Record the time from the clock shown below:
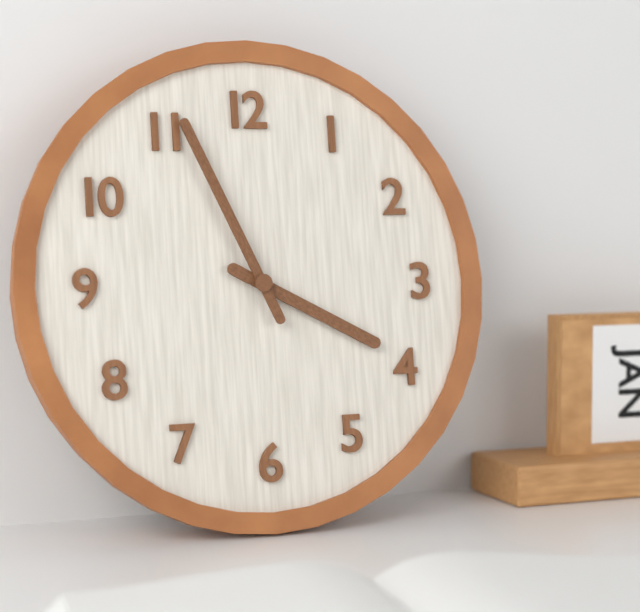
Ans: 3:56
